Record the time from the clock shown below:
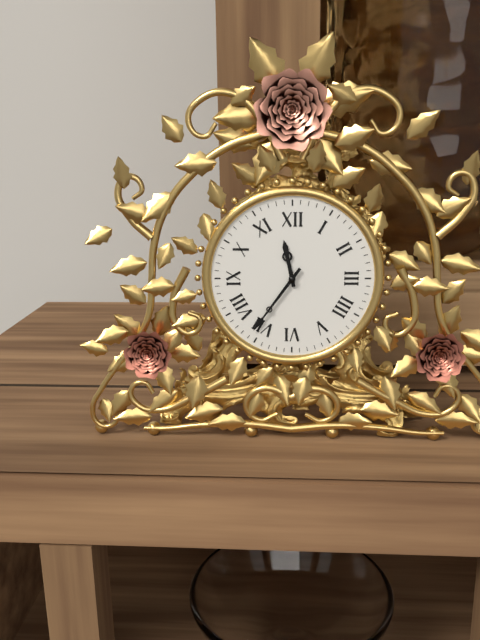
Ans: 11:36
